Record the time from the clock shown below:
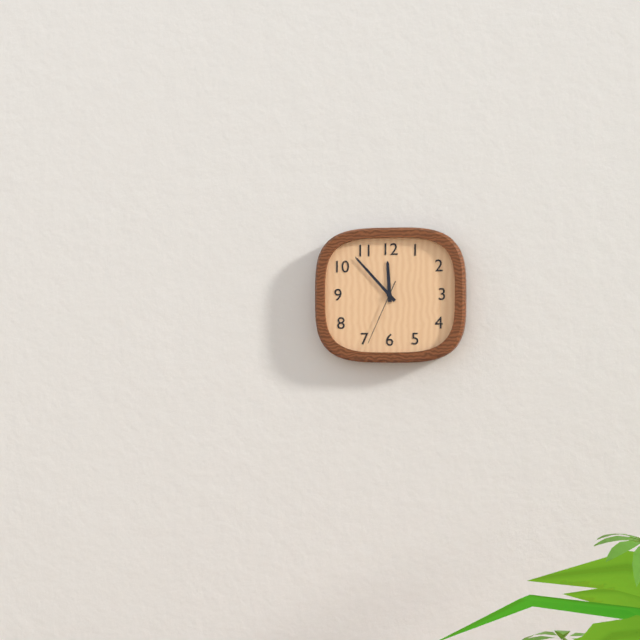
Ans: 11:53:34
